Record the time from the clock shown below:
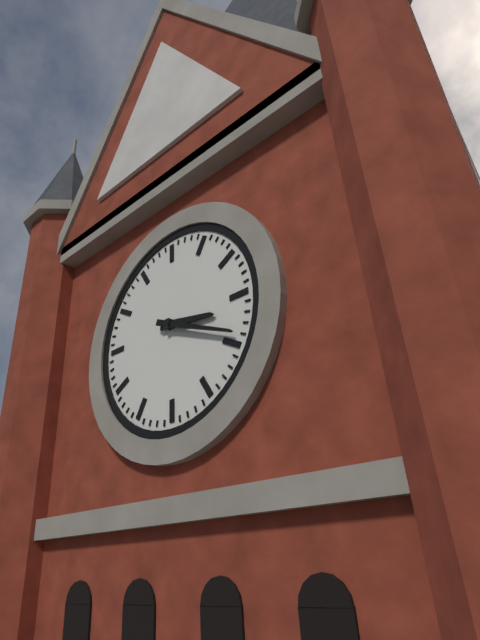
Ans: 3:19
